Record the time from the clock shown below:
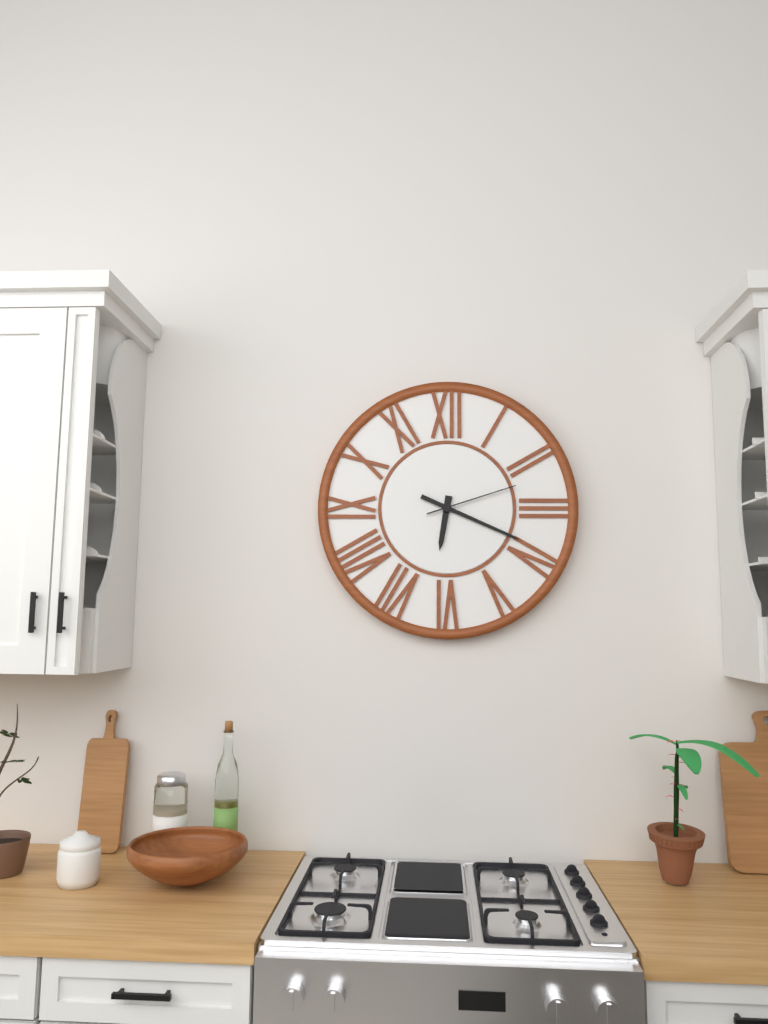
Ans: 6:19:12
